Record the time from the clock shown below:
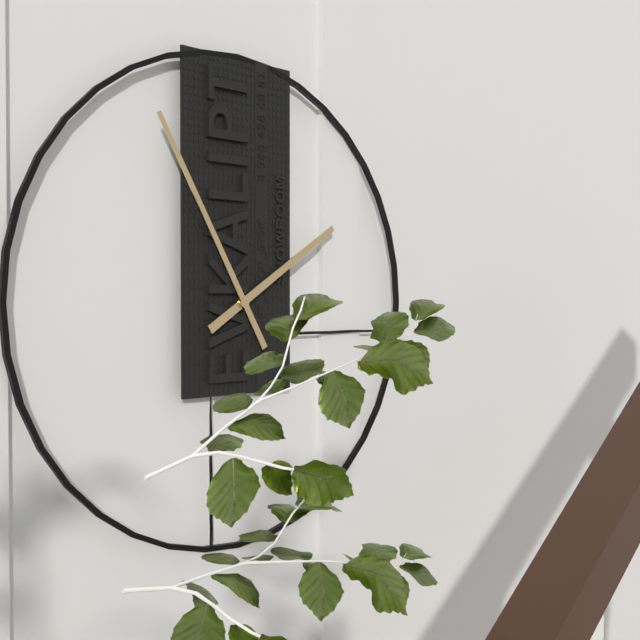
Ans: 1:55
